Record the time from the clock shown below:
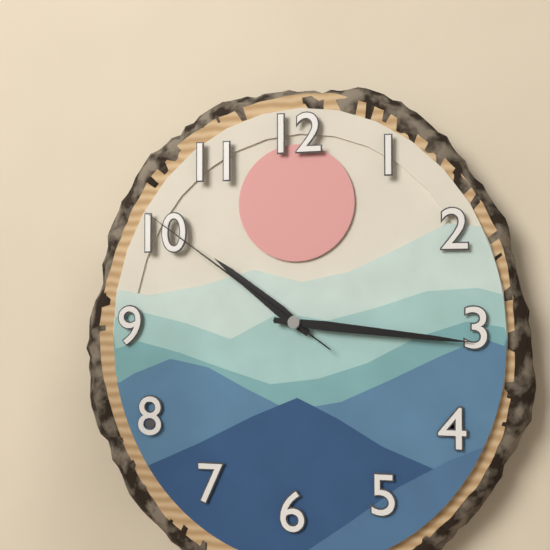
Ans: 10:16:51
